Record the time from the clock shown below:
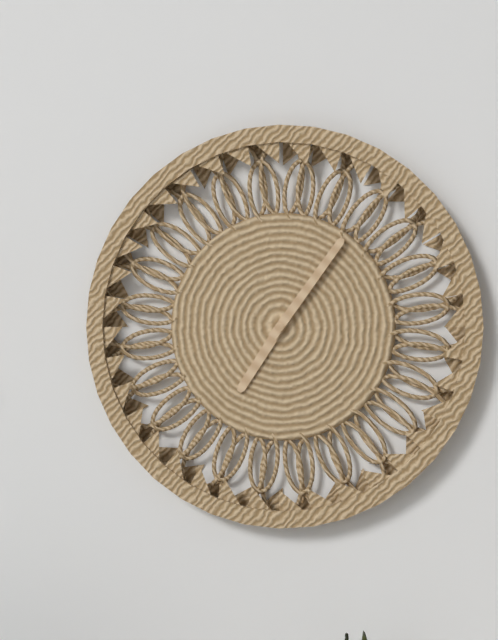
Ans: 7:06
